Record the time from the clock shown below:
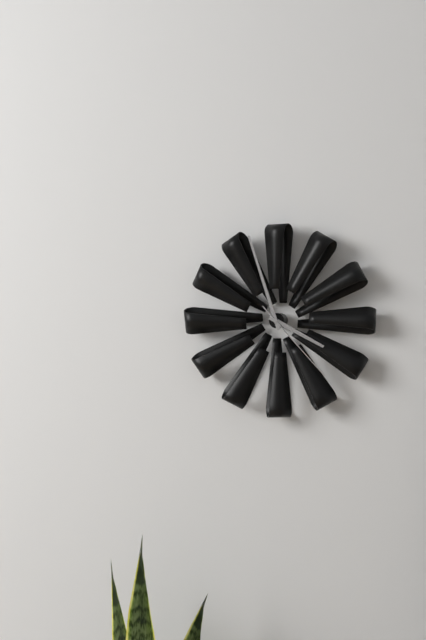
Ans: 3:57:23
